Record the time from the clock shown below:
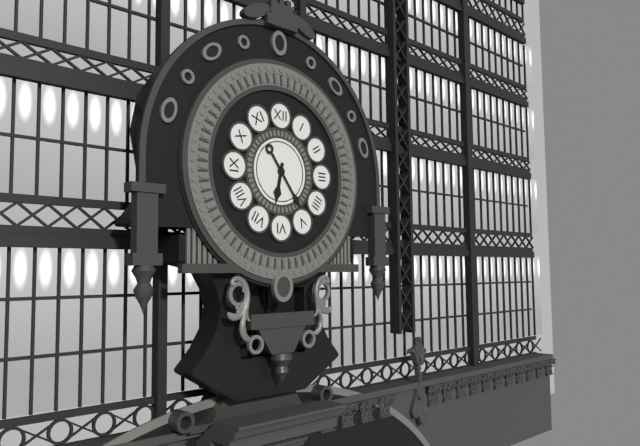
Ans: 6:24
